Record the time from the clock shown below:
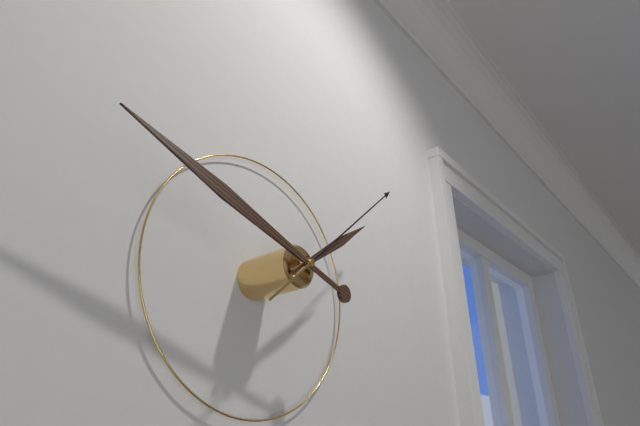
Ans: 1:48:08
